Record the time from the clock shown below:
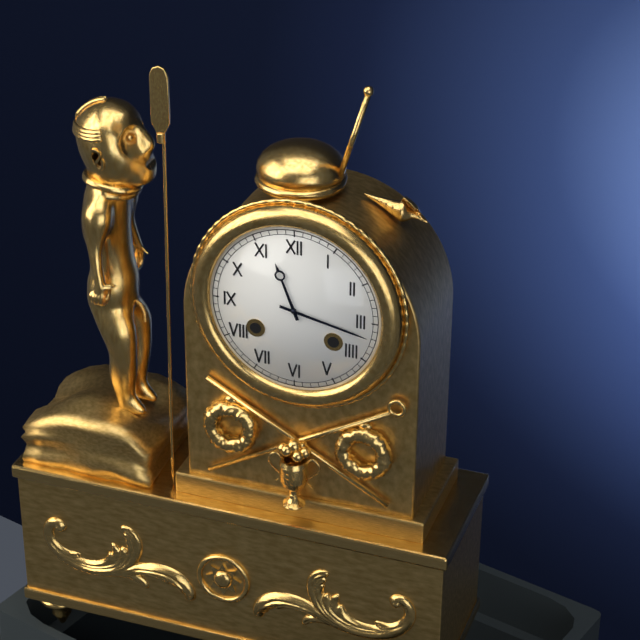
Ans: 11:17
